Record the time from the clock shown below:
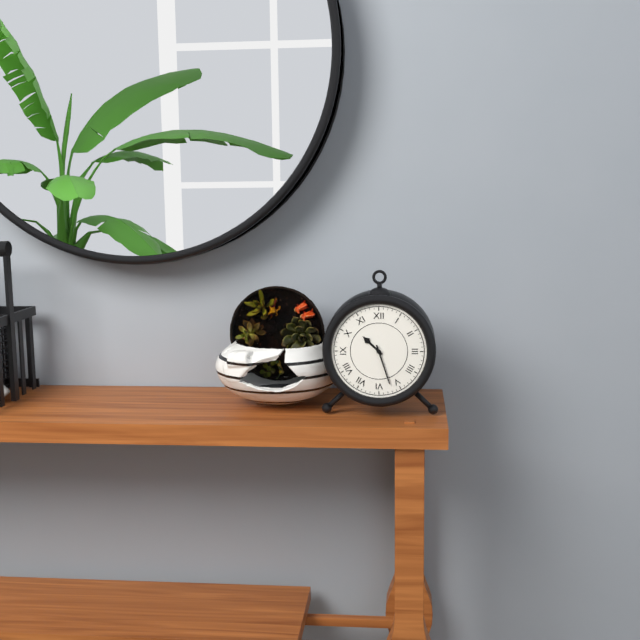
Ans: 10:27
